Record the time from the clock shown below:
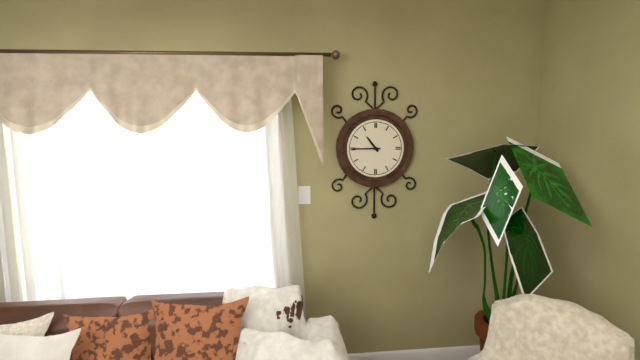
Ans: 10:45
